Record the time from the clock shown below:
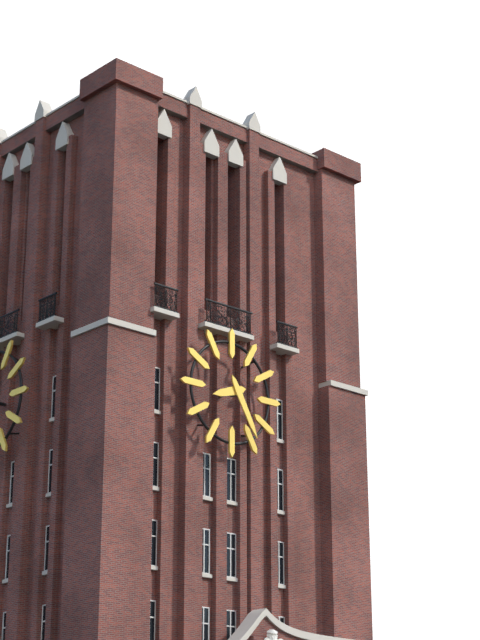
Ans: 8:25
